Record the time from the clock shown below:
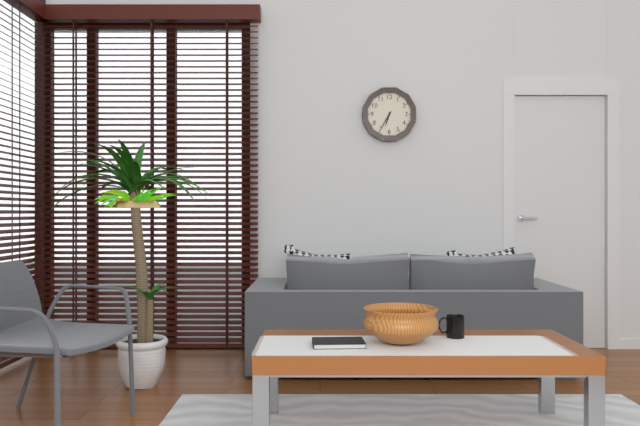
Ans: 6:35
